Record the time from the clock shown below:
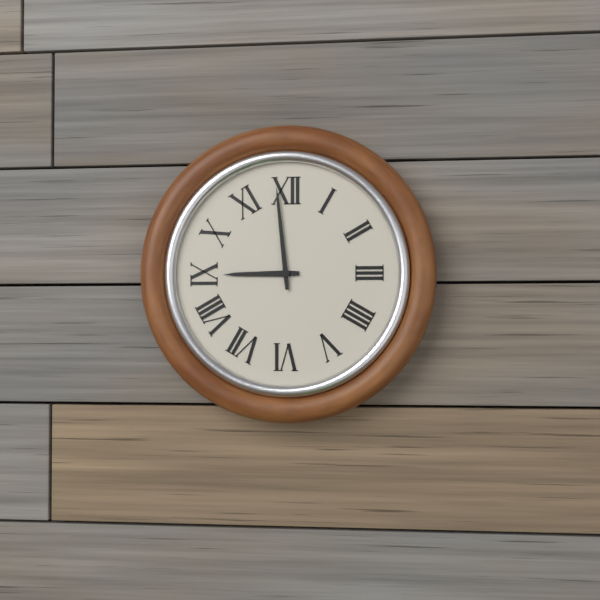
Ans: 8:59
